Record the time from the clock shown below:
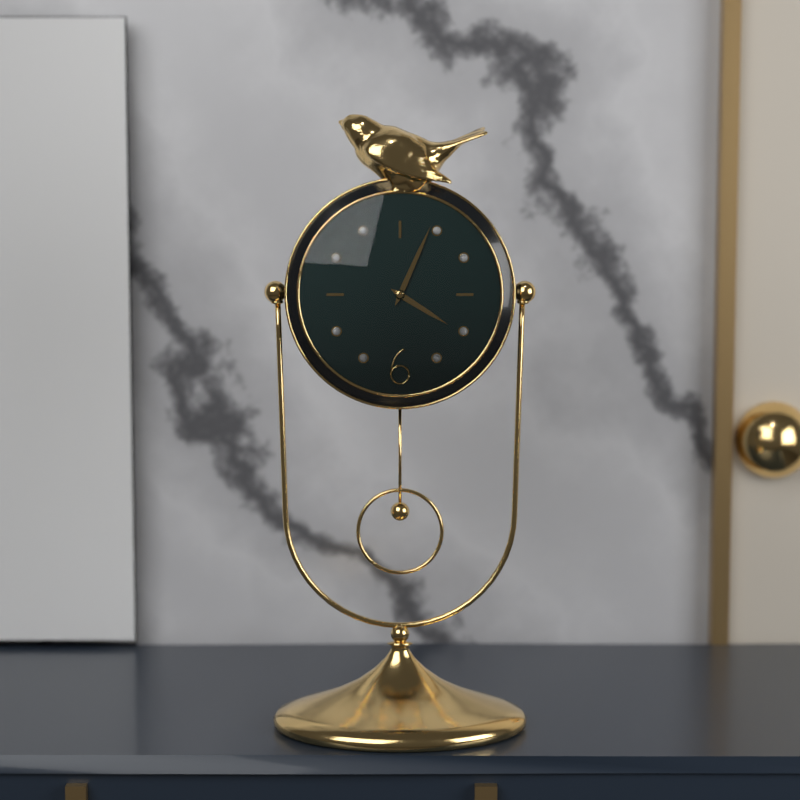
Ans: 4:04
